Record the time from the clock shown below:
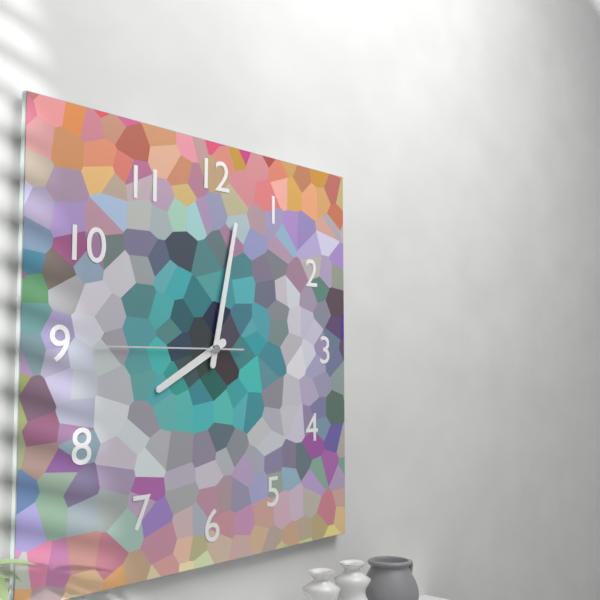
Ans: 8:02:45
